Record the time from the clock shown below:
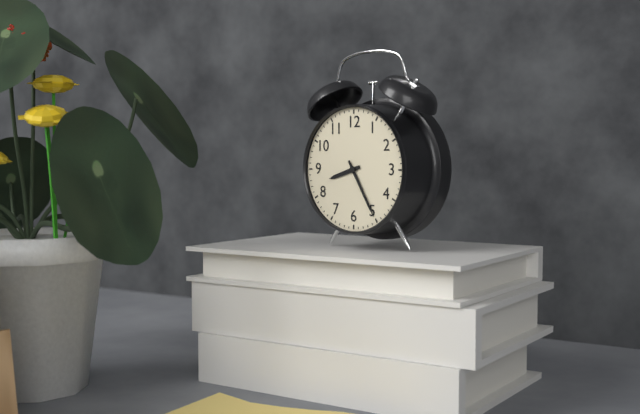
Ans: 8:25
